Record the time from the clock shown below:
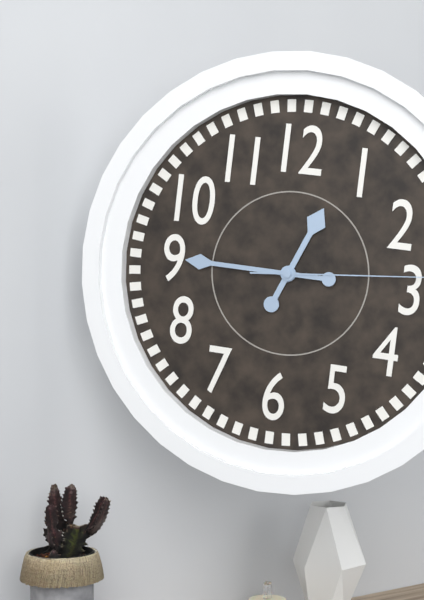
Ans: 12:45
